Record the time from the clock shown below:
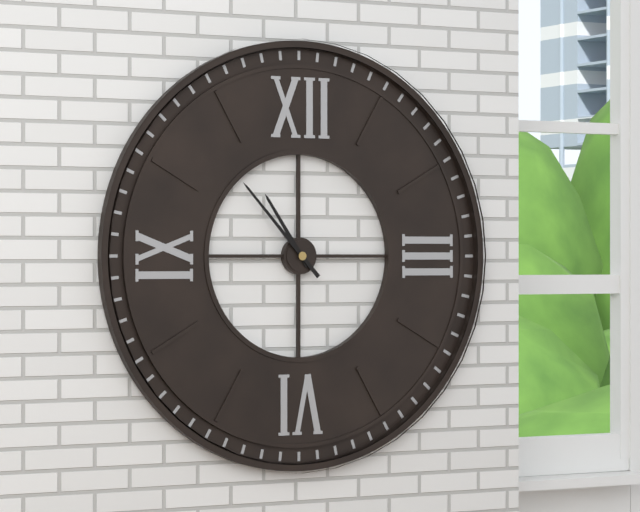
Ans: 10:53
